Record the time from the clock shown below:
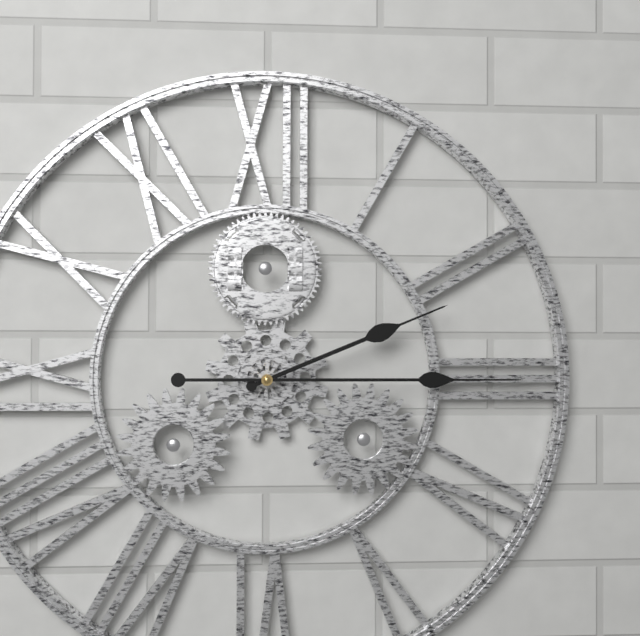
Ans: 2:15
